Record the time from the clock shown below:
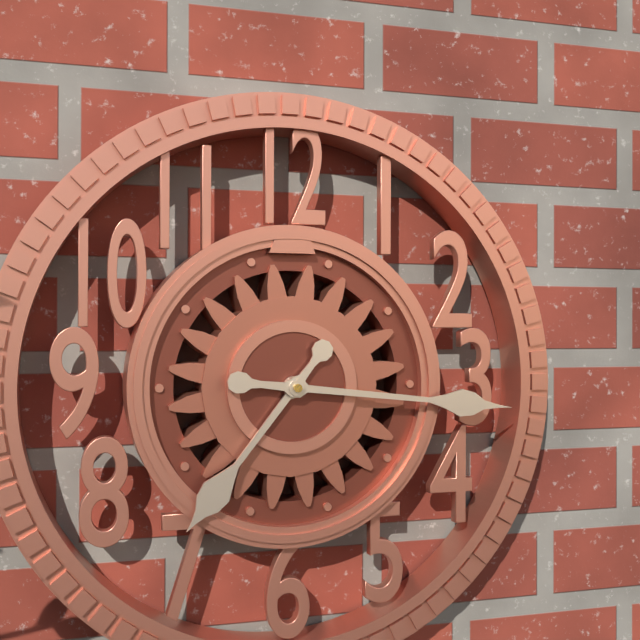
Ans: 7:16
